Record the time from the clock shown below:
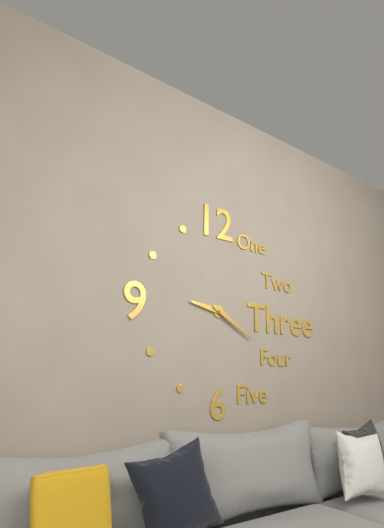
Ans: 9:20
